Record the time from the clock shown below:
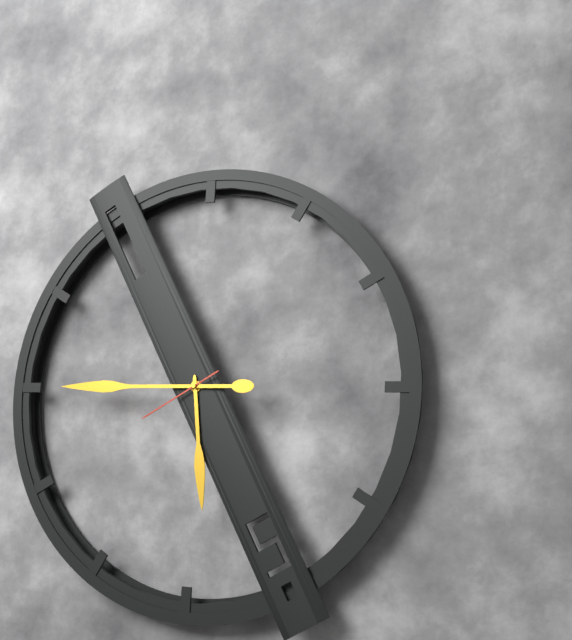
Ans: 5:45:40
